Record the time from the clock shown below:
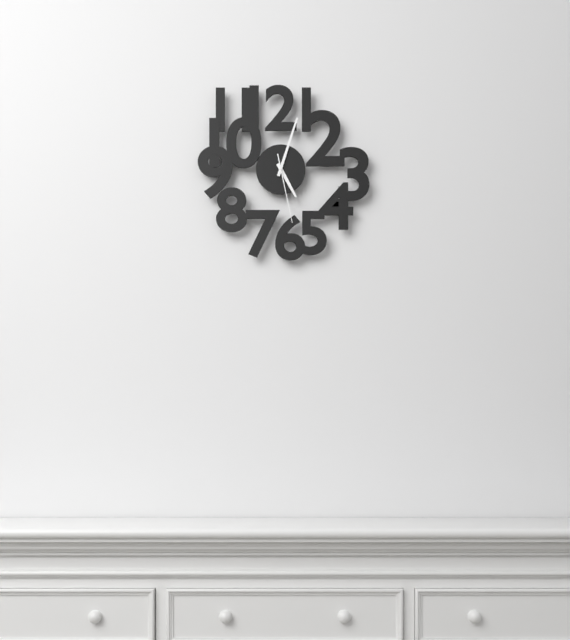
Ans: 5:03:28
